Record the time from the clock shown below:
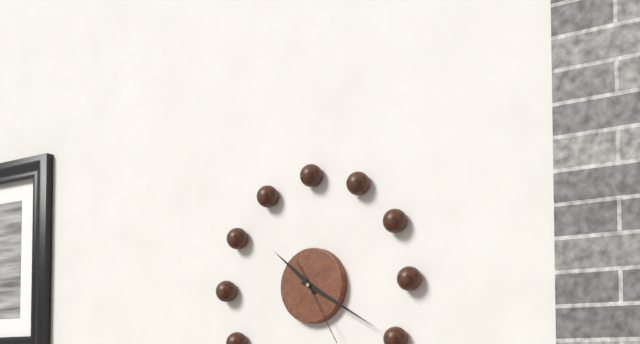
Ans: 10:20:25
